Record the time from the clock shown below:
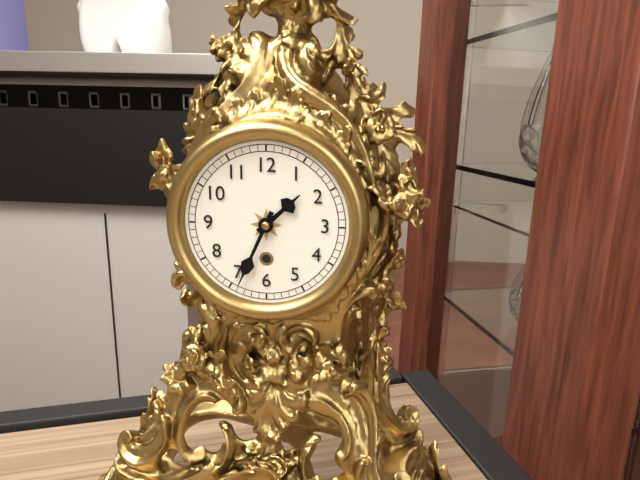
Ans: 1:34
